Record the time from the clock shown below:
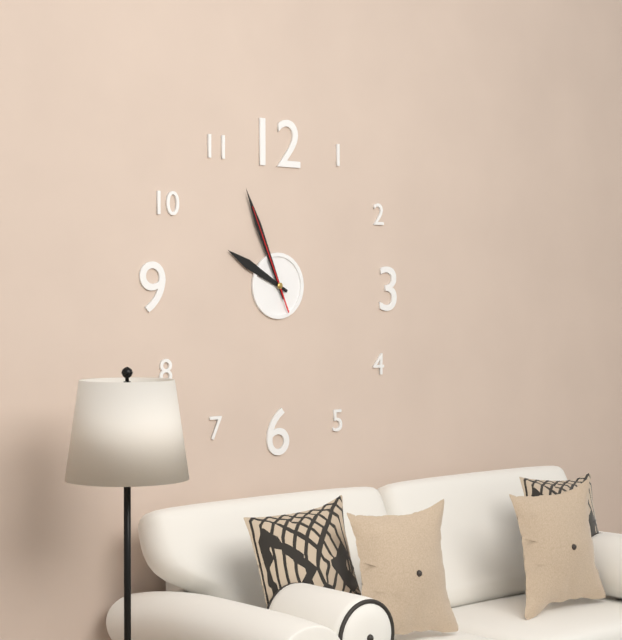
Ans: 9:56:56
